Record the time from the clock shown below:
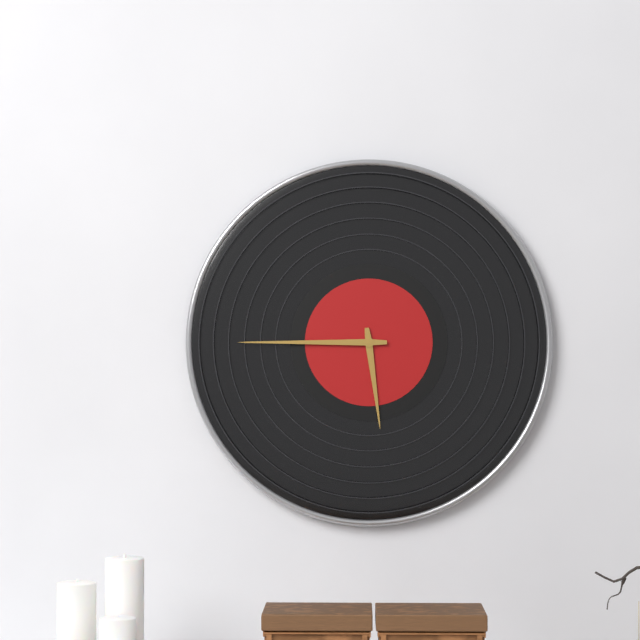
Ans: 5:45
